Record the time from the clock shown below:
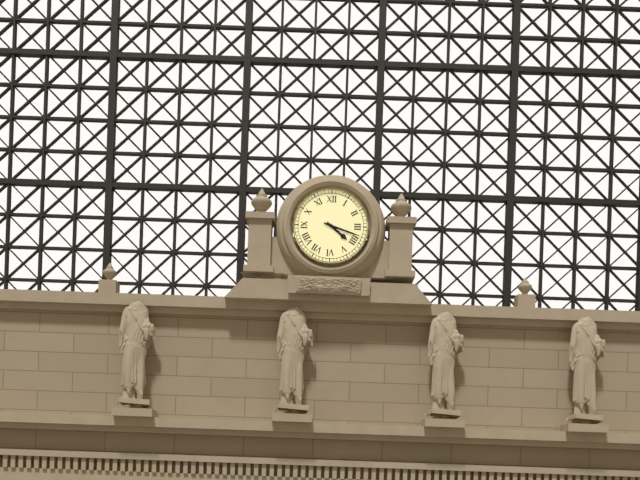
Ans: 4:18
